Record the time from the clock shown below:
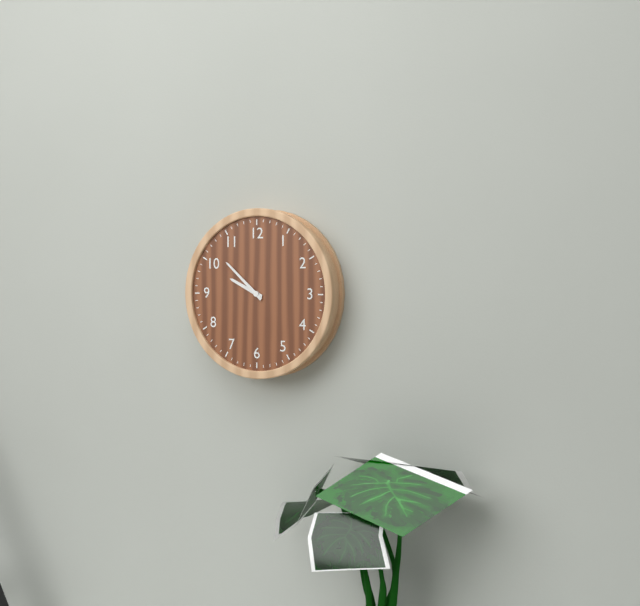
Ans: 9:52
